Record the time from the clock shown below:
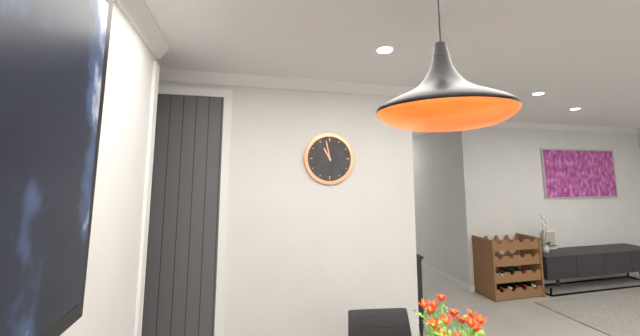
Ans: 10:58
